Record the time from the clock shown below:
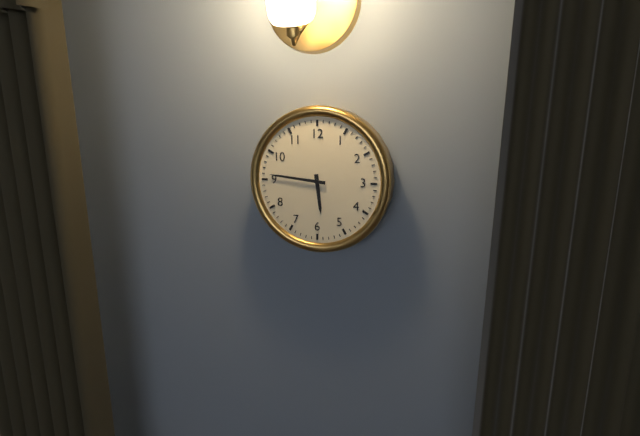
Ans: 5:46
